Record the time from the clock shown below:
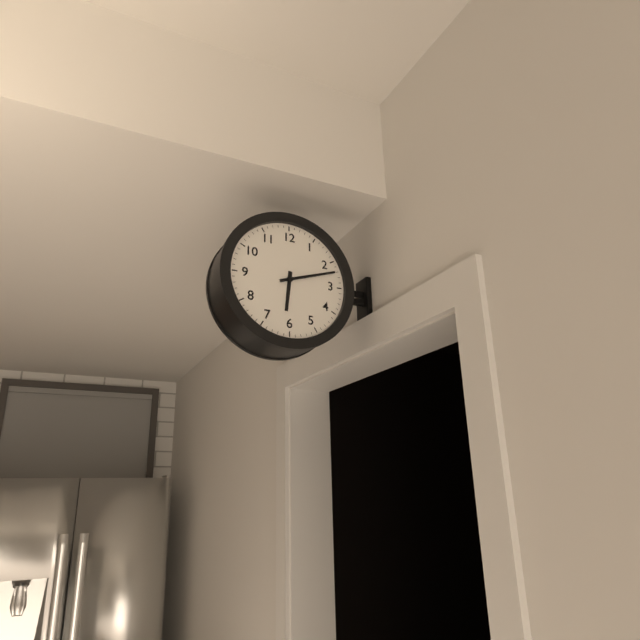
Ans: 6:12
